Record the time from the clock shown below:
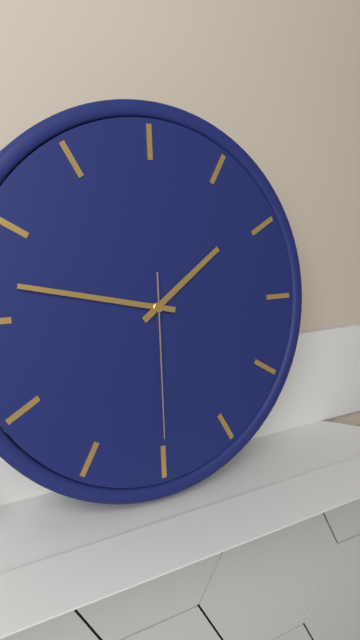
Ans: 1:47:30
